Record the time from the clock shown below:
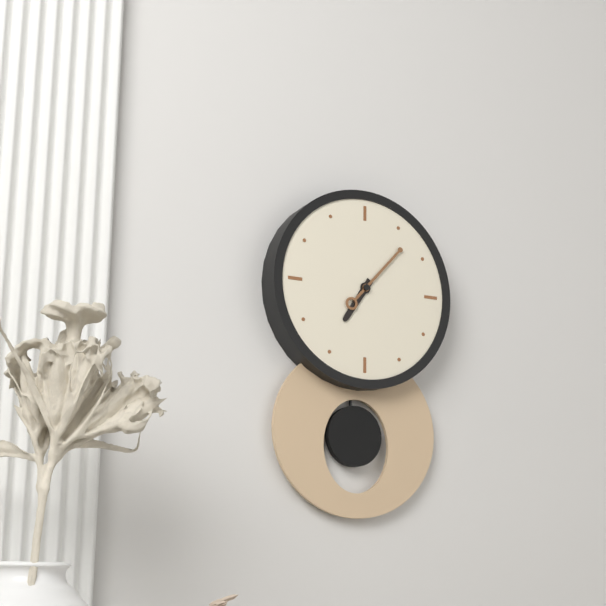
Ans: 7:07
